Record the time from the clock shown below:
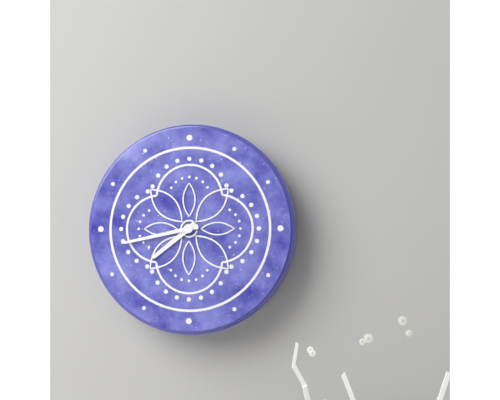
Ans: 7:43
